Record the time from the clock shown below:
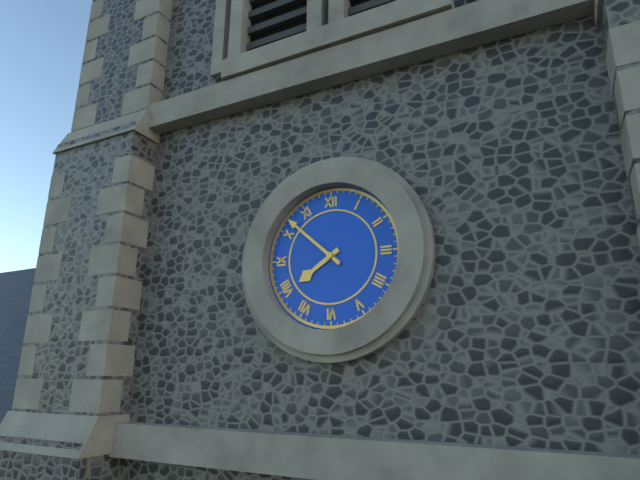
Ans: 7:52
